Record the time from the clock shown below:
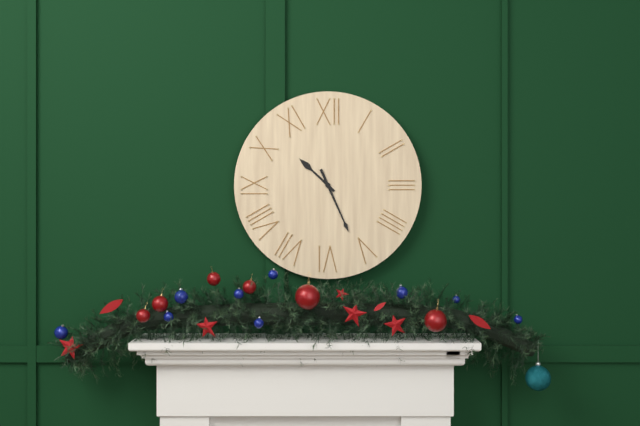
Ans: 10:26
